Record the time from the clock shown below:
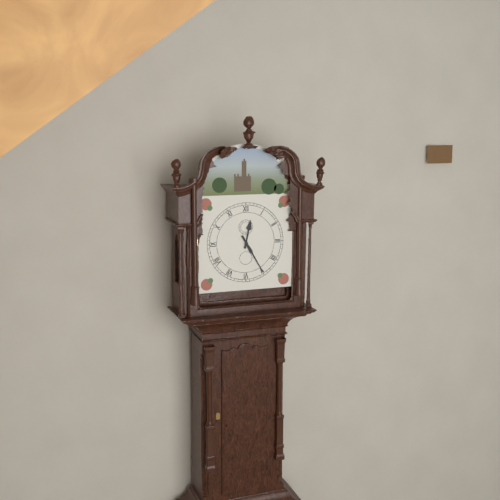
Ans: 12:25
